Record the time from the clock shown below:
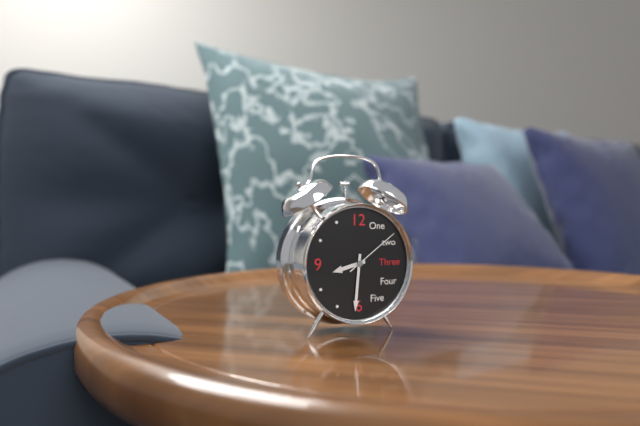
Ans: 8:31:09
